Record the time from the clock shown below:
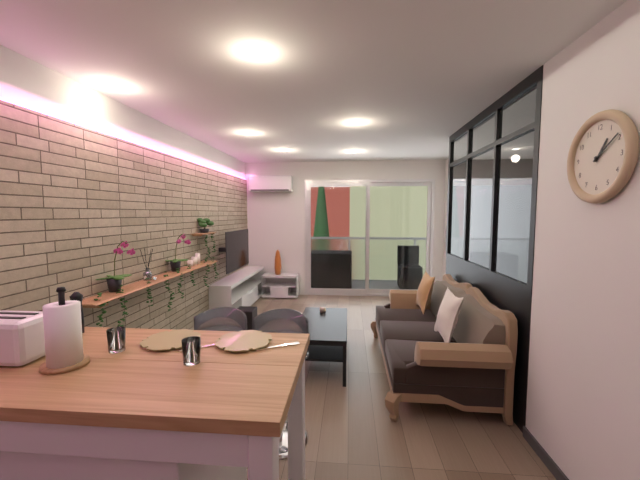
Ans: 1:09
